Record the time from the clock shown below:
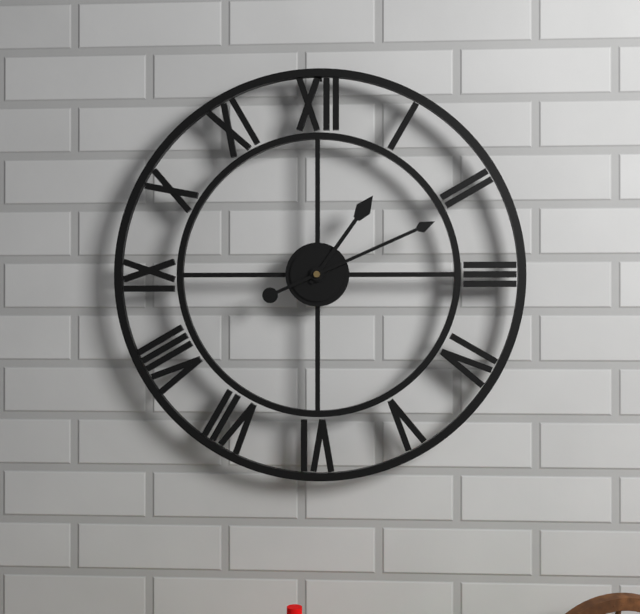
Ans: 1:11
